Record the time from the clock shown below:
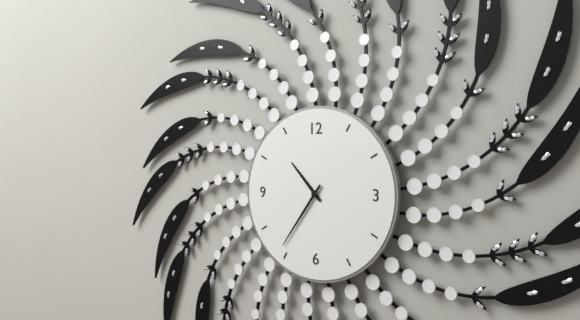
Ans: 10:36
